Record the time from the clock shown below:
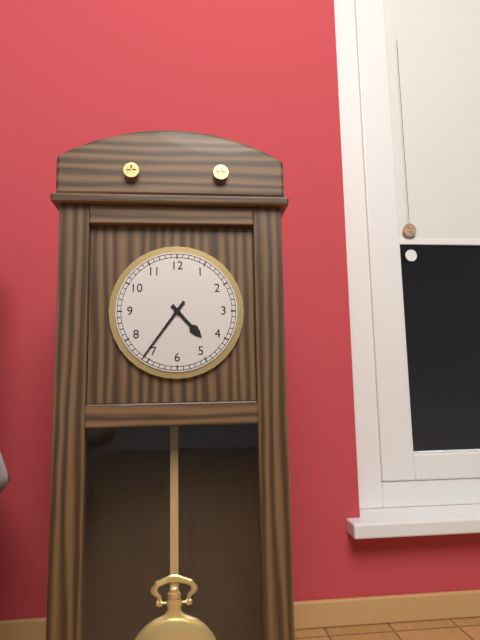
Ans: 4:36
